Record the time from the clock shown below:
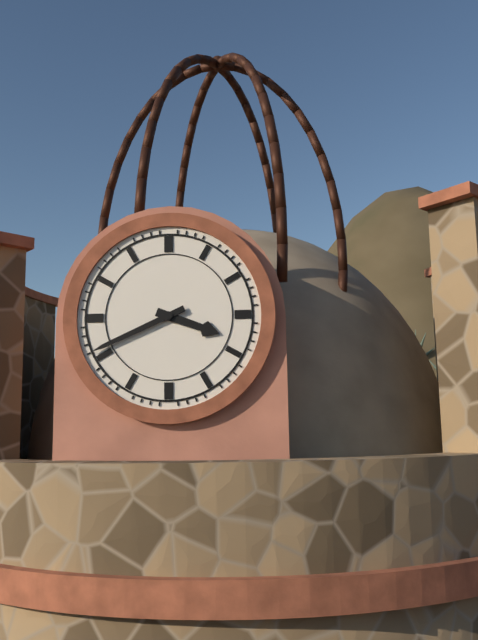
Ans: 3:41
